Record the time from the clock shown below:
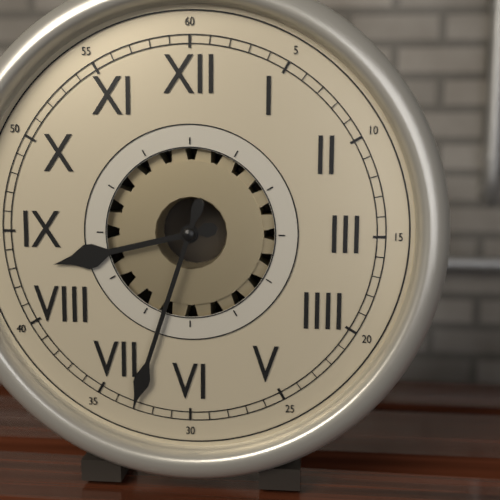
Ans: 8:33
